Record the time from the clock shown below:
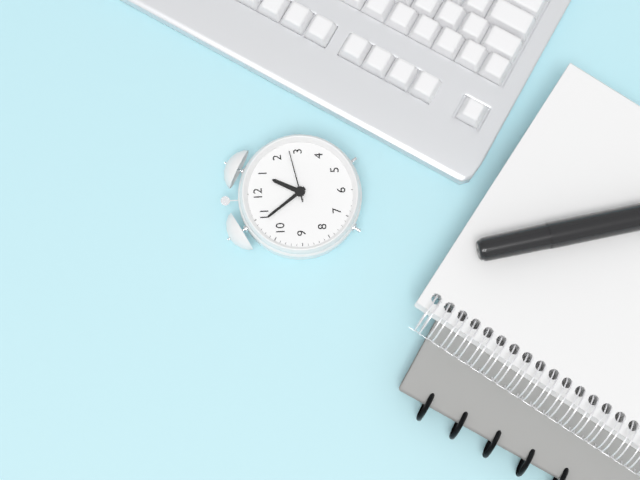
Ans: 12:54:13
